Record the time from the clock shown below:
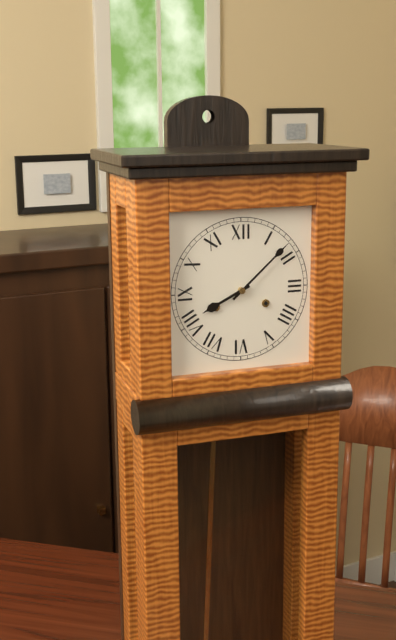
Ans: 8:08
